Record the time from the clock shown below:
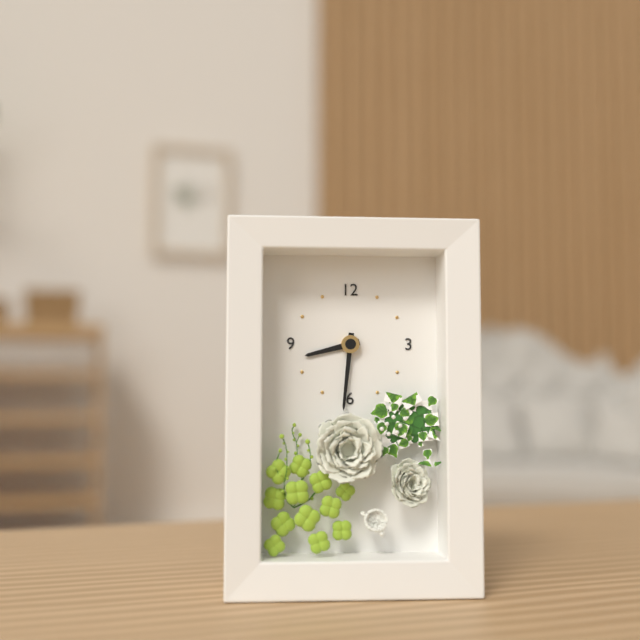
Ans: 8:31
